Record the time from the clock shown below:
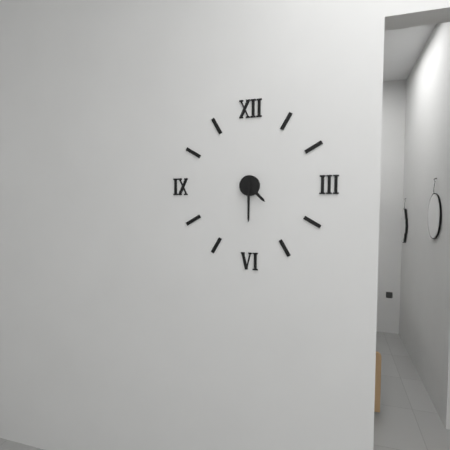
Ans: 4:30
